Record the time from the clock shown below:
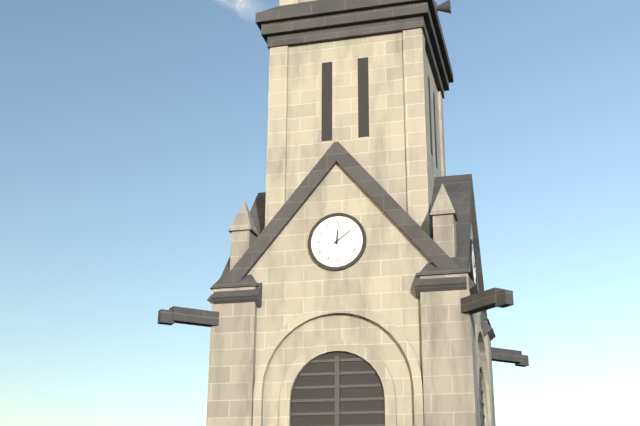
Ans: 12:09
